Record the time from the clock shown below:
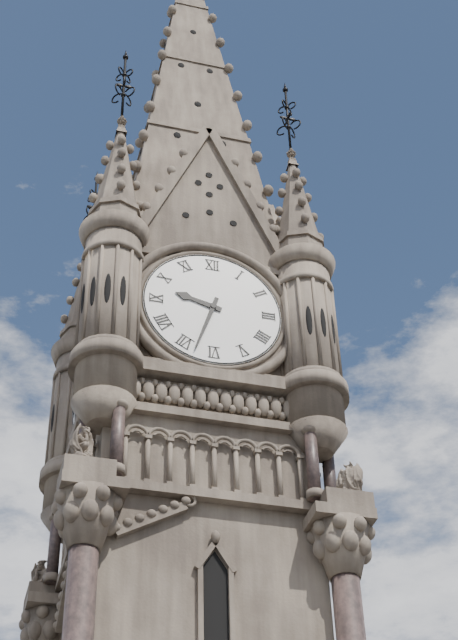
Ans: 9:33
